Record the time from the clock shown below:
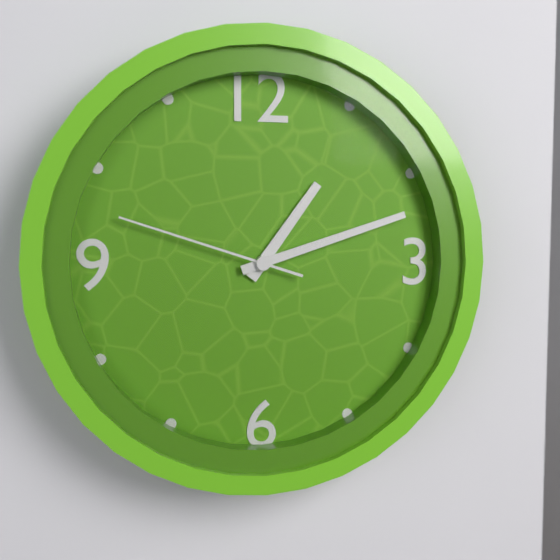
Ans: 1:12:48
